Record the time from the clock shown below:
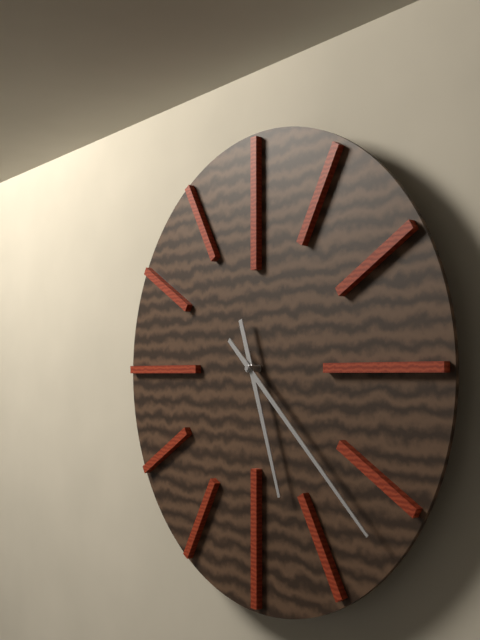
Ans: 5:22
